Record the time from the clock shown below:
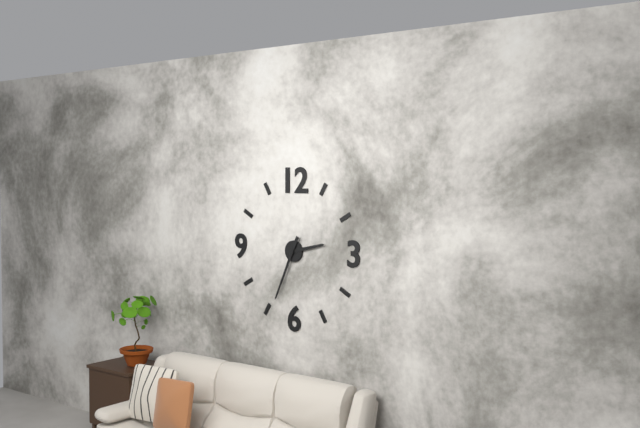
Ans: 2:34
